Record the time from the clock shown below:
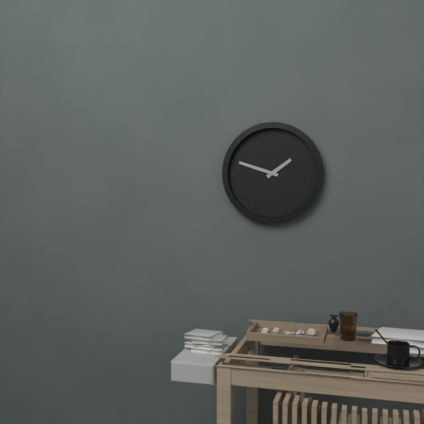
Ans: 1:48
